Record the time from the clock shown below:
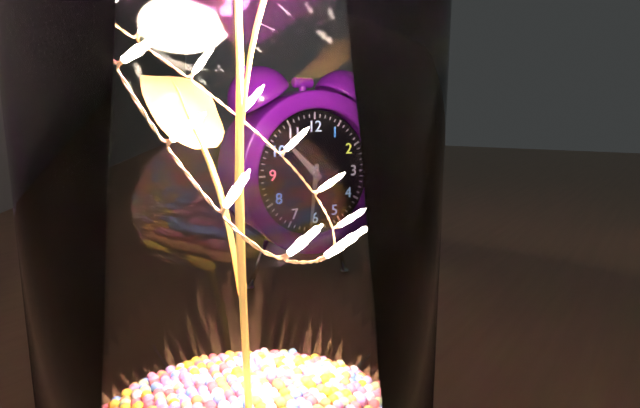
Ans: 10:31
